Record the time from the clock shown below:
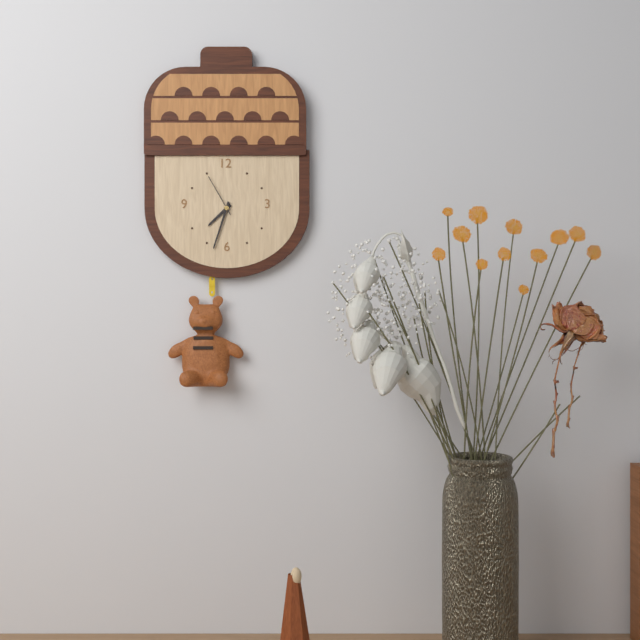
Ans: 7:33
